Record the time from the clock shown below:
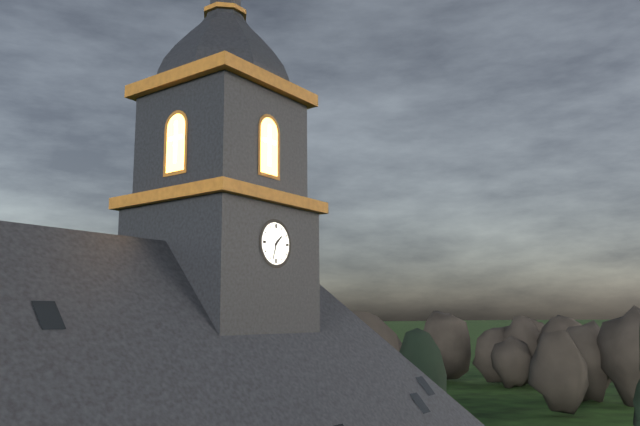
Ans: 1:33
